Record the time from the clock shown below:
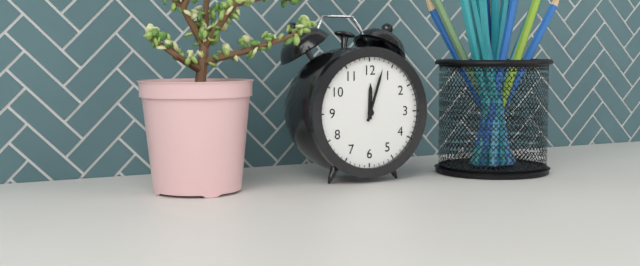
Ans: 12:03
